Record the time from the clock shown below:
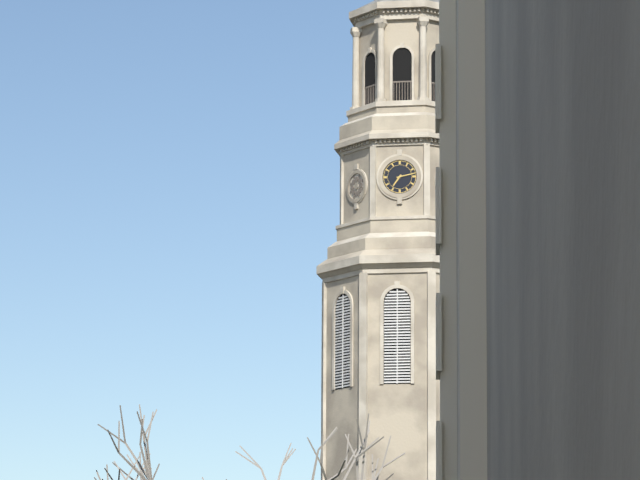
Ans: 7:13
